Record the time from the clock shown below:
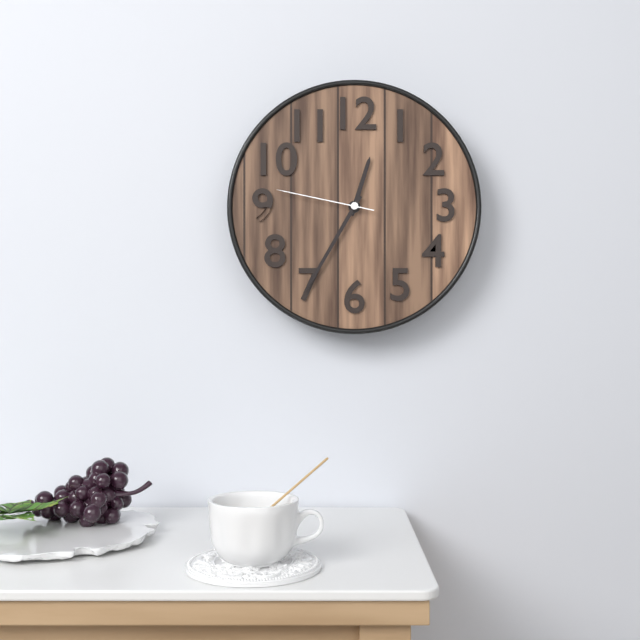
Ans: 12:35:47
